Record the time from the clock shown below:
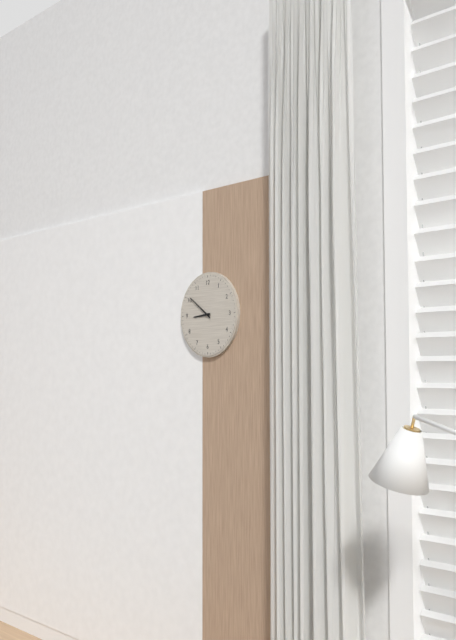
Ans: 8:51
